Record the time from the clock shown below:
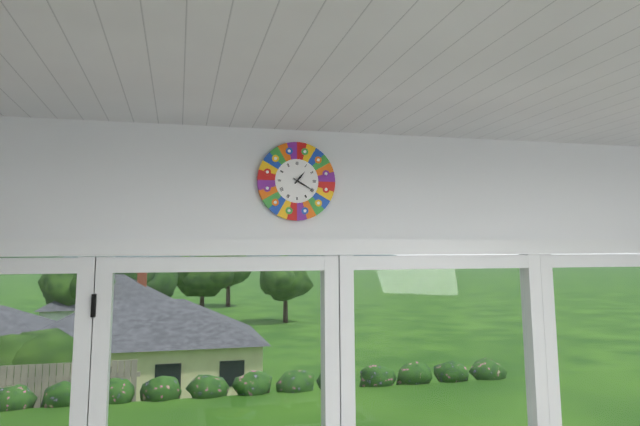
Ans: 1:20
